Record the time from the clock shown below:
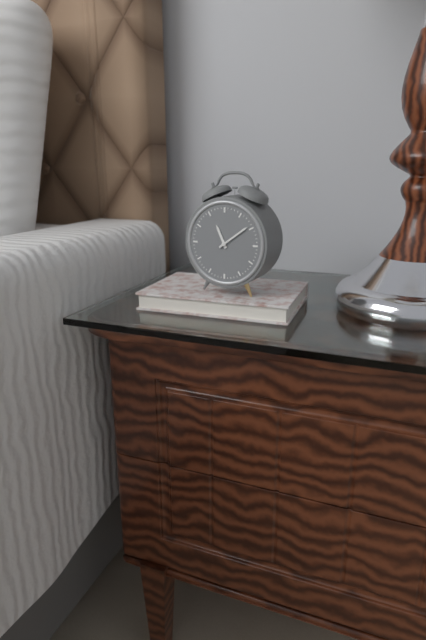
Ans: 11:09
